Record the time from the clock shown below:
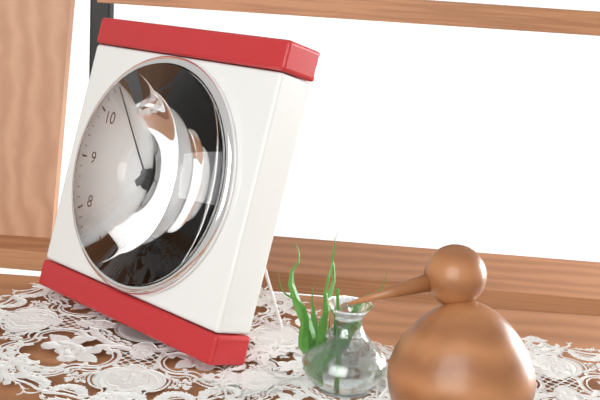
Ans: 1:07:53
